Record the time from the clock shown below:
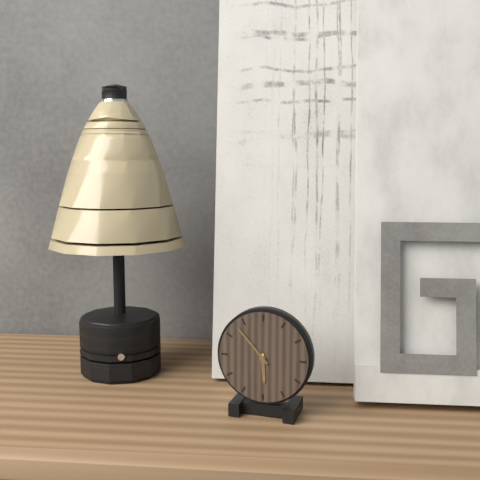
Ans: 5:53
